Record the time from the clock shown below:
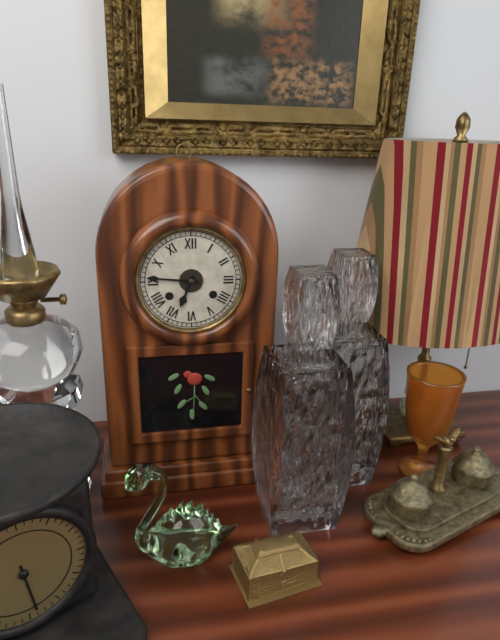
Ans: 6:46
